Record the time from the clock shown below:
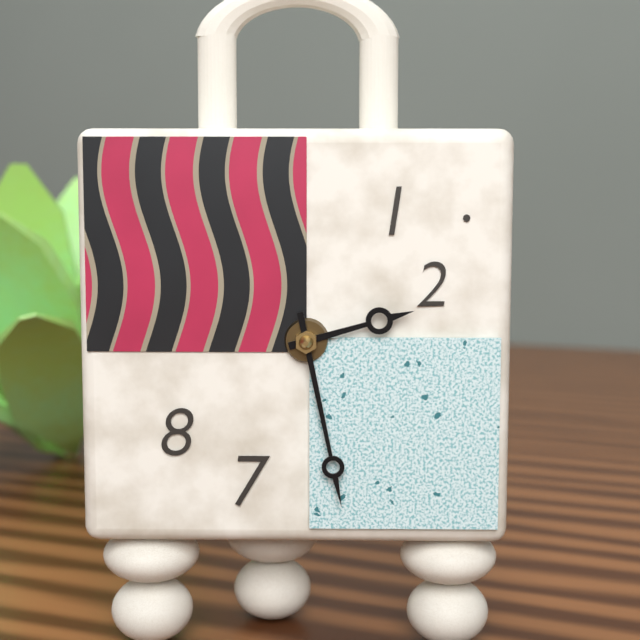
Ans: 2:28
